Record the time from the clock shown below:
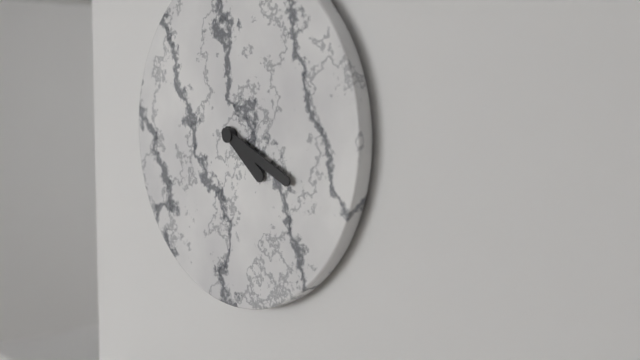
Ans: 4:19
